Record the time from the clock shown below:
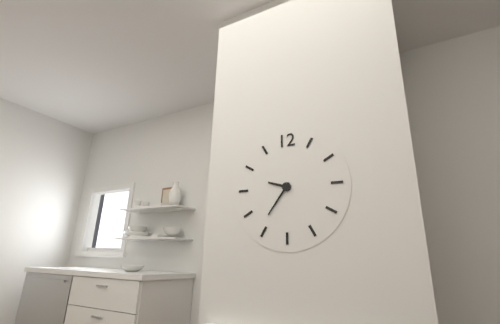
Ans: 9:36
